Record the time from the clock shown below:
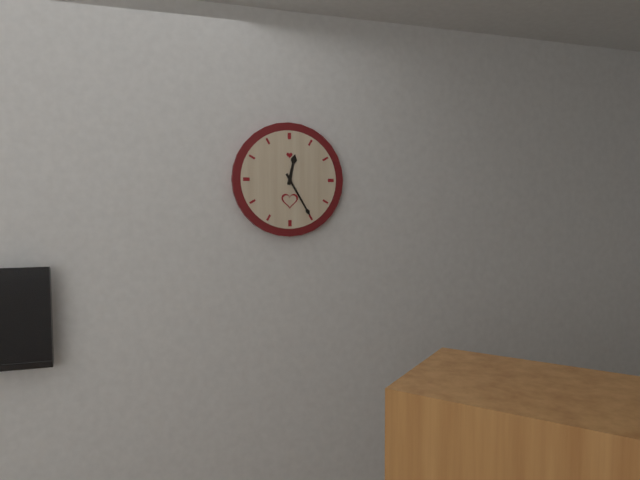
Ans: 12:25
